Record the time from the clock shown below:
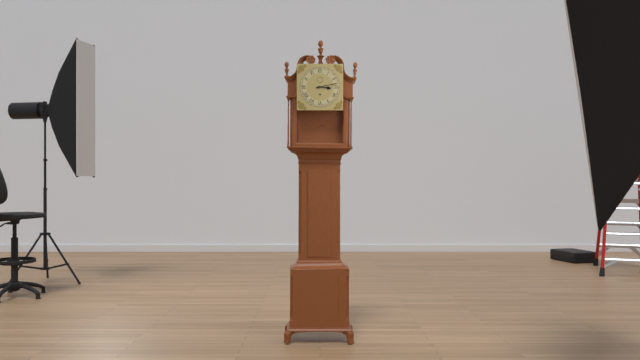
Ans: 3:13
